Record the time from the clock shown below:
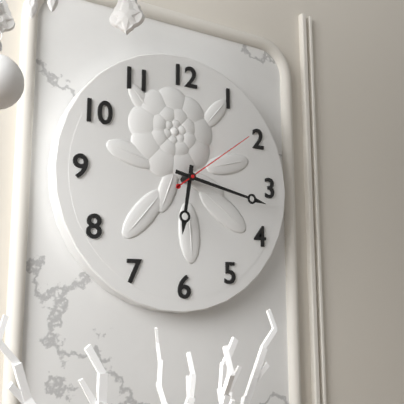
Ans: 6:17:09
